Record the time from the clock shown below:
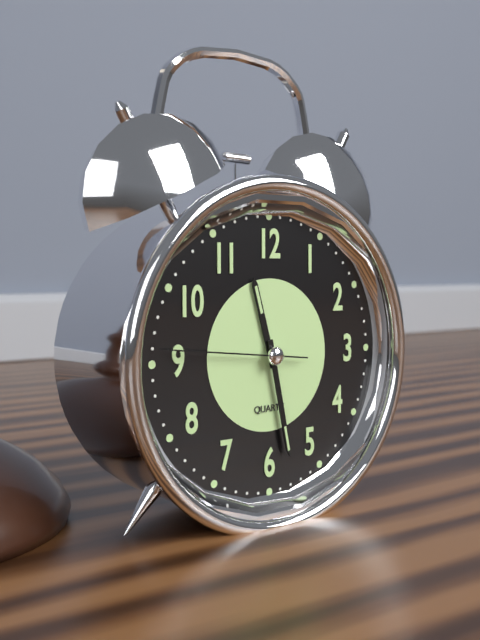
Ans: 11:28:46
